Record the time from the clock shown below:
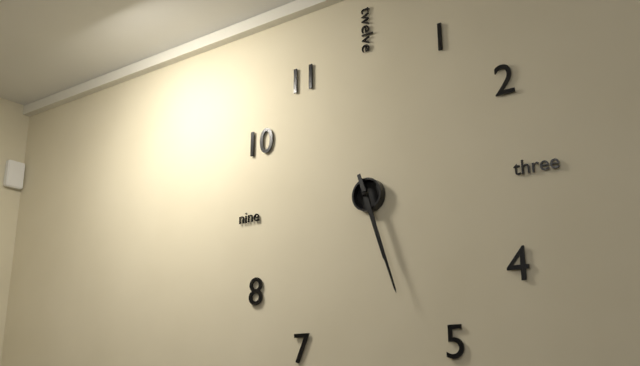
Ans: 5:27
